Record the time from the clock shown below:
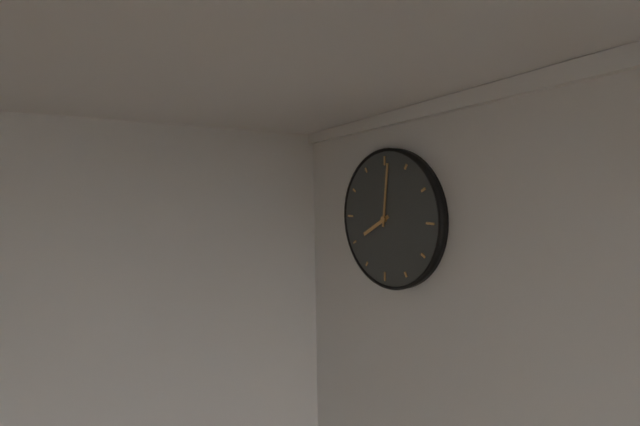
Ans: 8:01
